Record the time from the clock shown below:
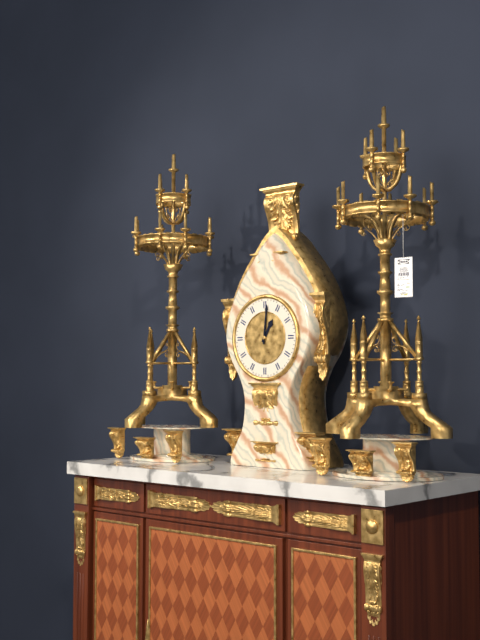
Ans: 1:01
